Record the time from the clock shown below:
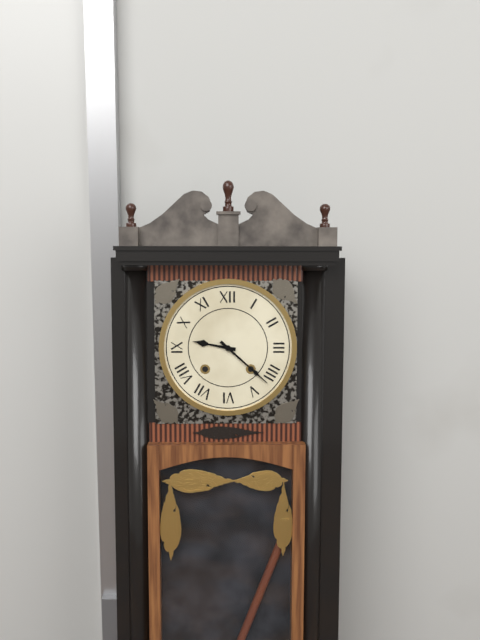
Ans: 9:22
